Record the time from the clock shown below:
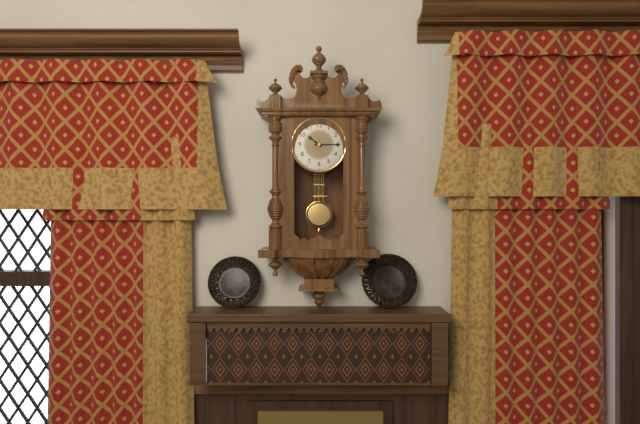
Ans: 10:15
